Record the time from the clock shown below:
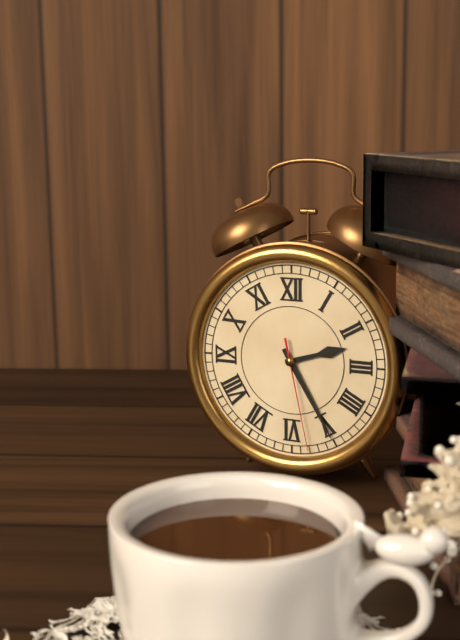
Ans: 2:25:28
